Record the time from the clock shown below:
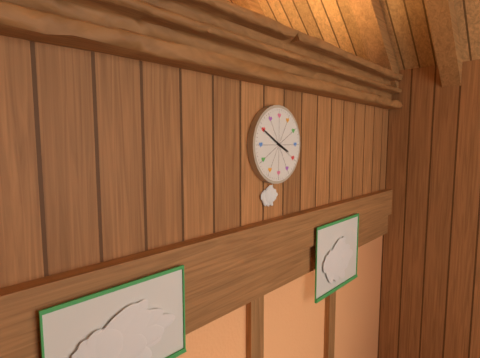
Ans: 3:50
